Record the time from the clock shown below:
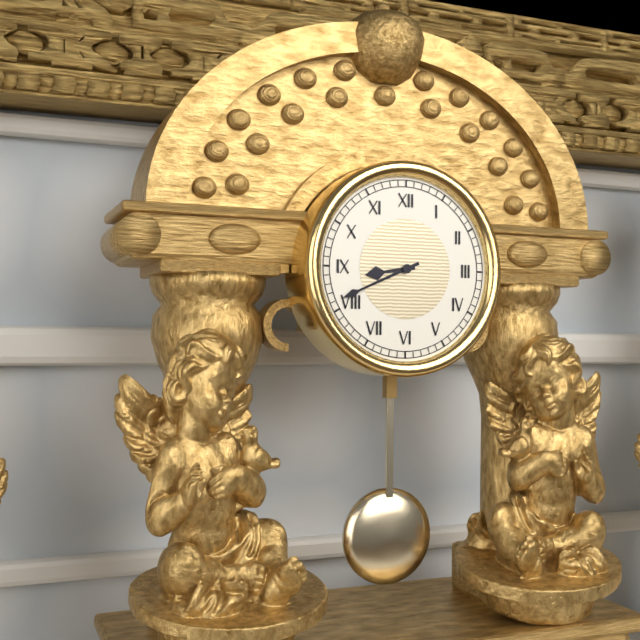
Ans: 8:41
